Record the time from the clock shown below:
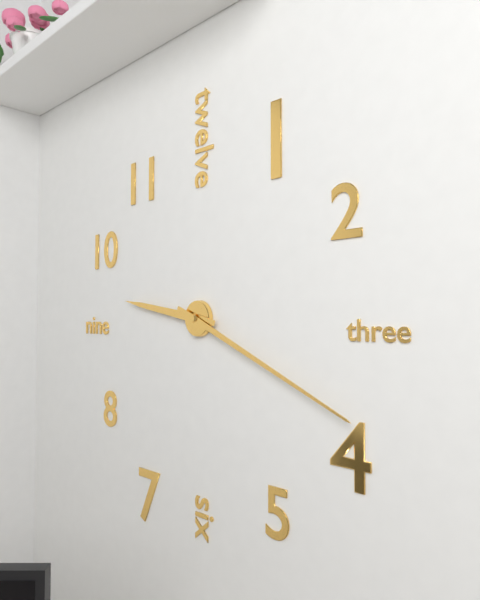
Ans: 9:19
